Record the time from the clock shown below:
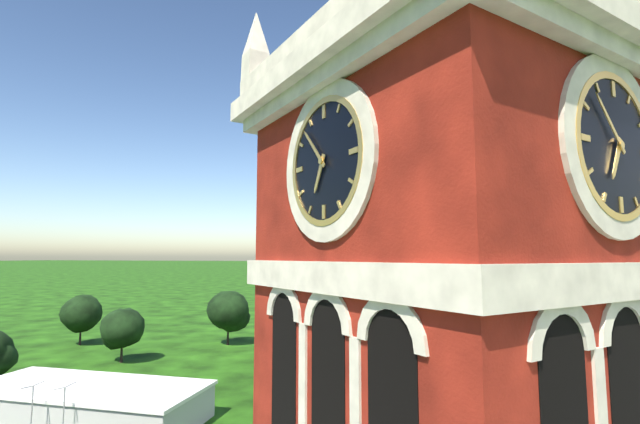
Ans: 6:53
